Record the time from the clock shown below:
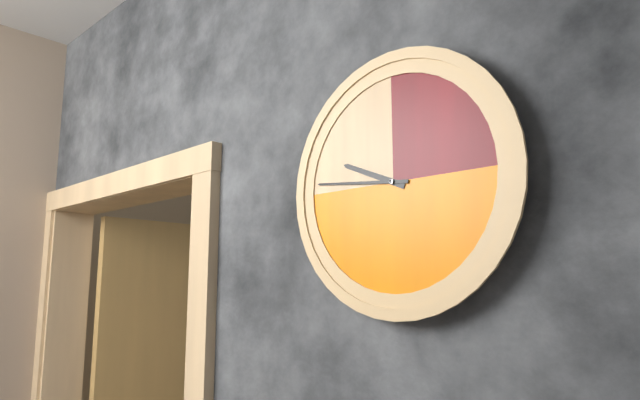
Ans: 9:46
